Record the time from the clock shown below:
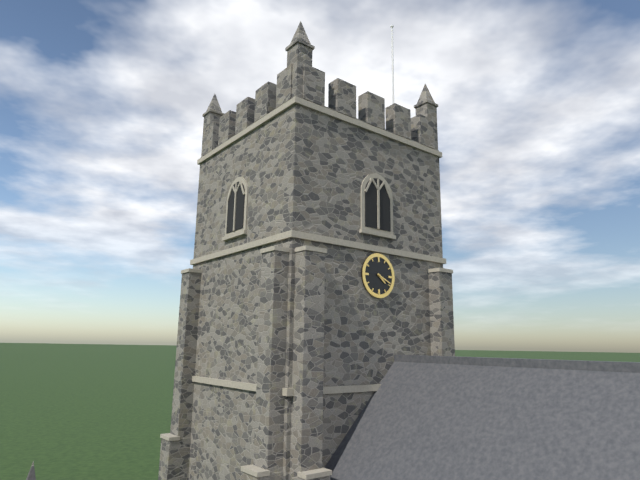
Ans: 4:19
